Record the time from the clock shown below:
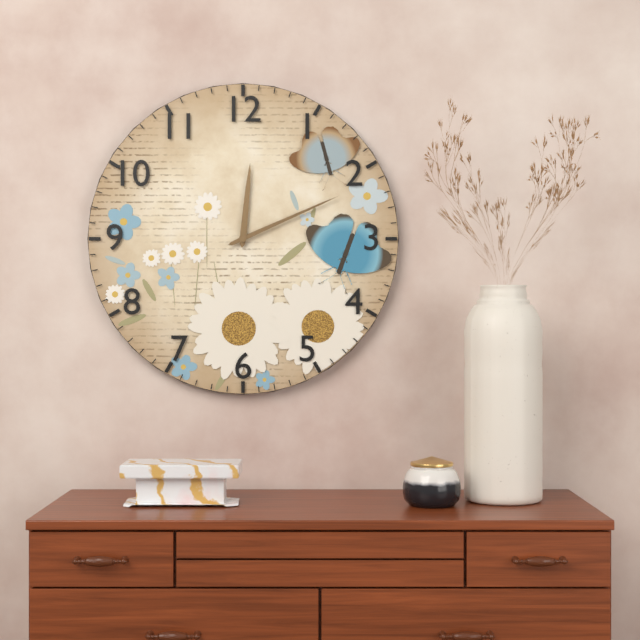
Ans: 12:11
